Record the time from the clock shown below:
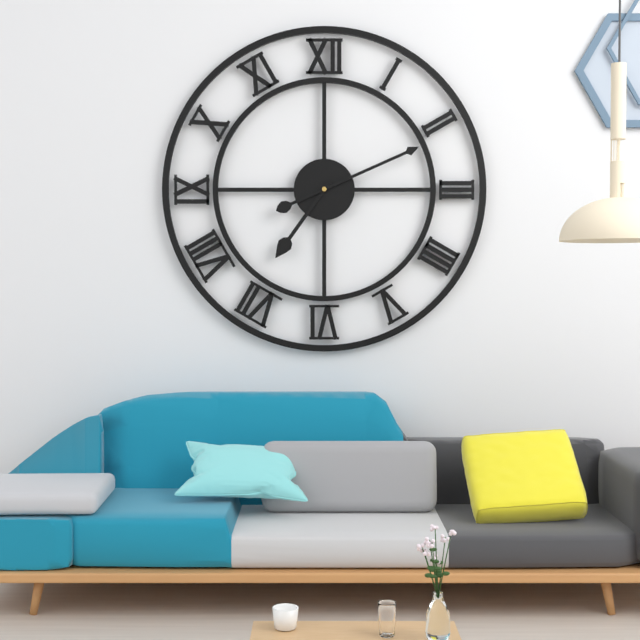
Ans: 7:11
